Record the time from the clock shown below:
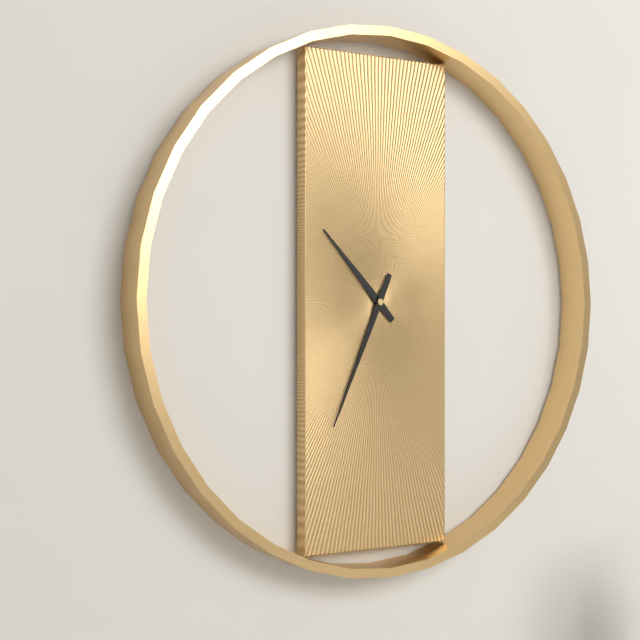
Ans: 10:34
